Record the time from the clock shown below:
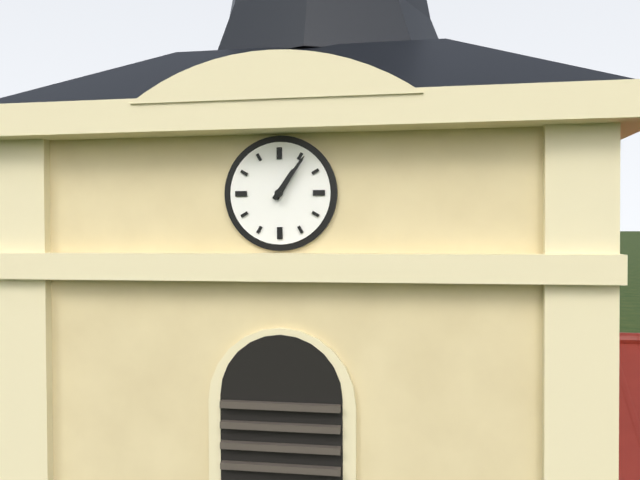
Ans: 1:06
